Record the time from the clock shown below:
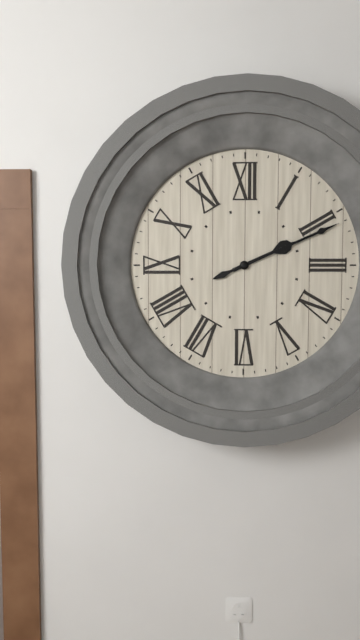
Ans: 2:11
